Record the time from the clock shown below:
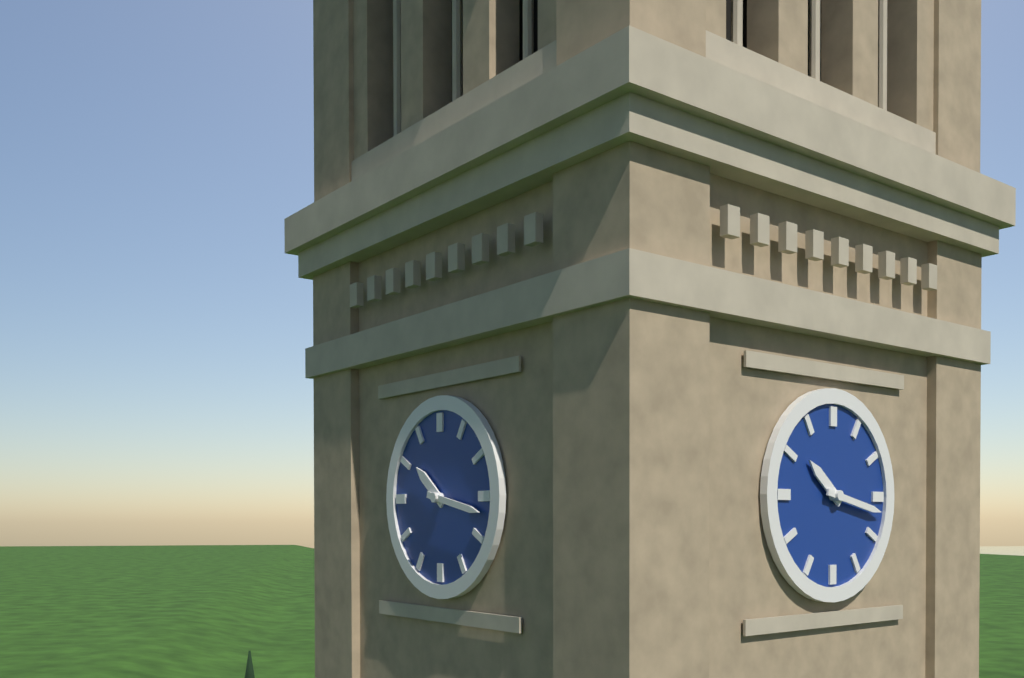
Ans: 10:17
